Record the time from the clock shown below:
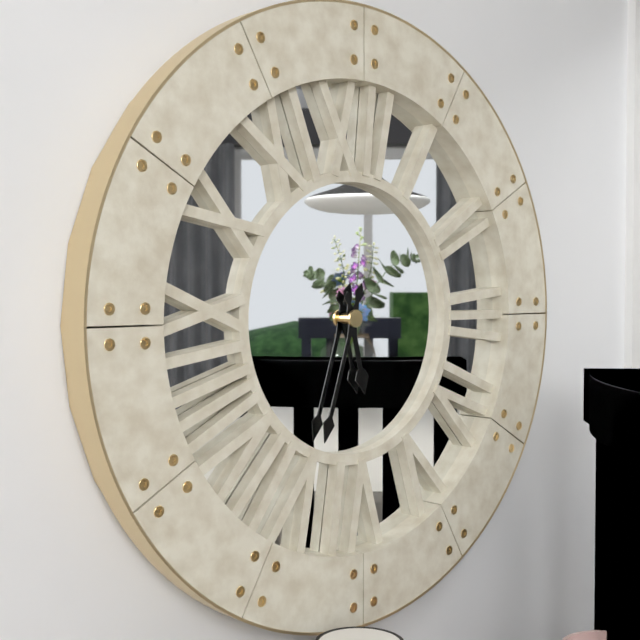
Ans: 5:33
